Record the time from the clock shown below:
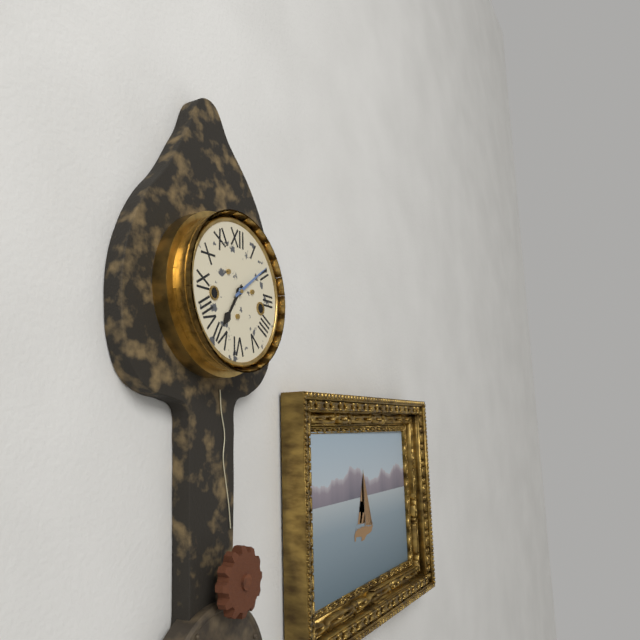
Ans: 7:09
